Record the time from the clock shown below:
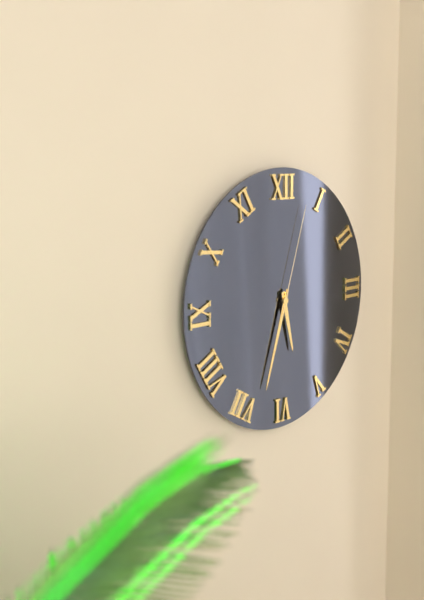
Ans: 5:33:03
